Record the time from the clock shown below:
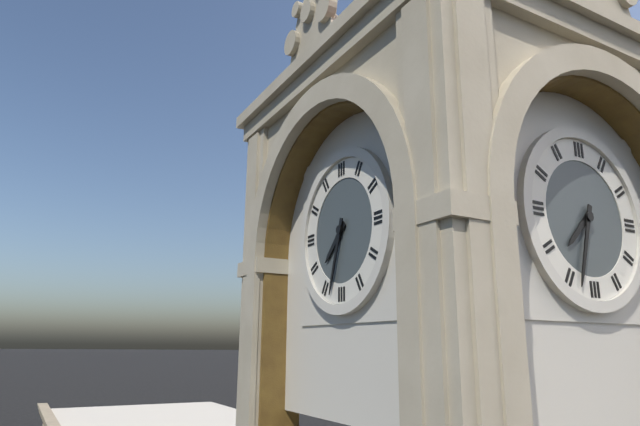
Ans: 7:33
